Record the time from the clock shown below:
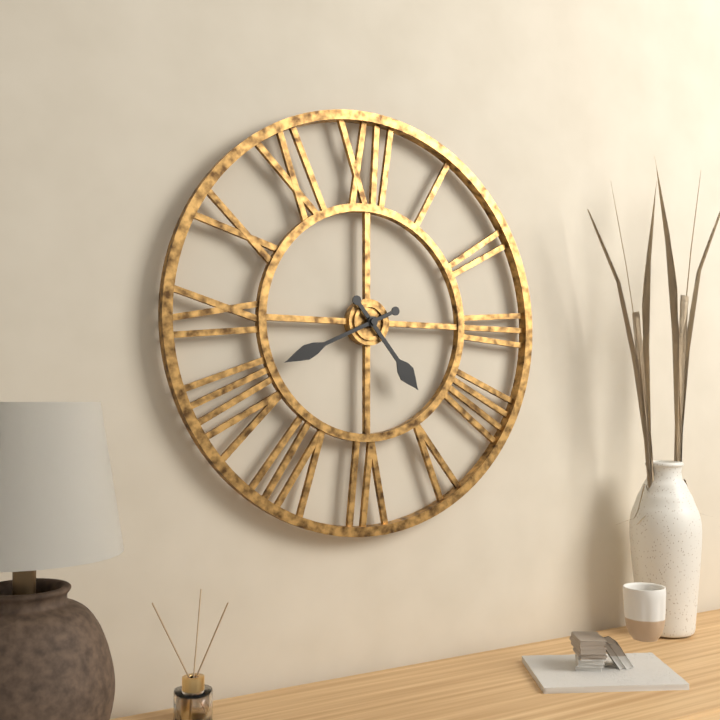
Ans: 4:41
